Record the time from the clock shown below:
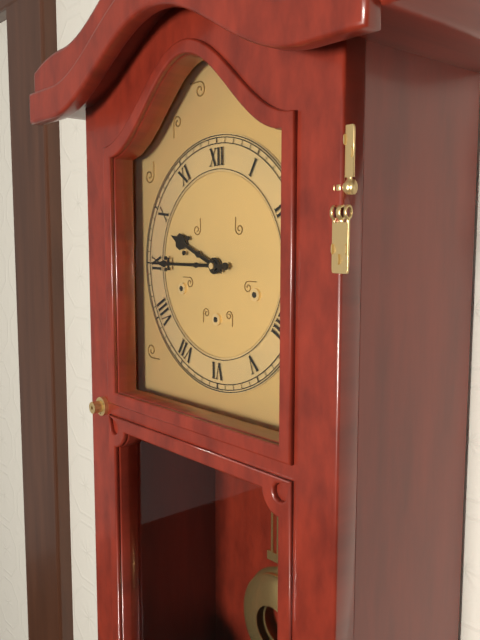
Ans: 9:45
